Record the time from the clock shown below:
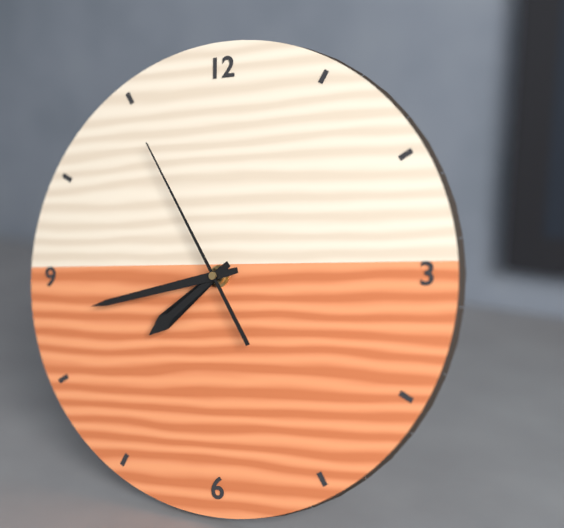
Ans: 7:43:55
